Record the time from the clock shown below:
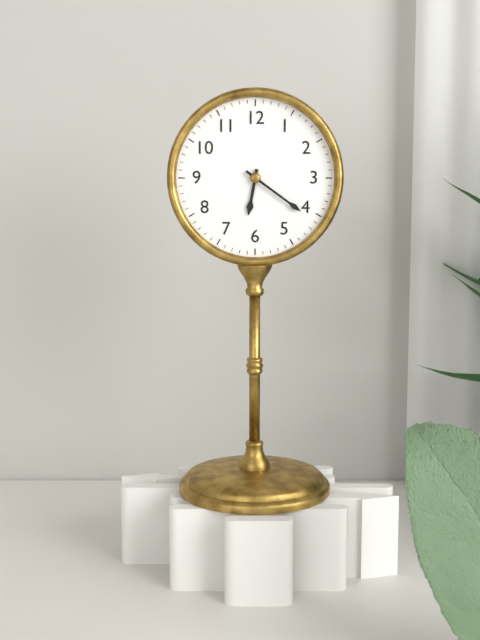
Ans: 6:21
